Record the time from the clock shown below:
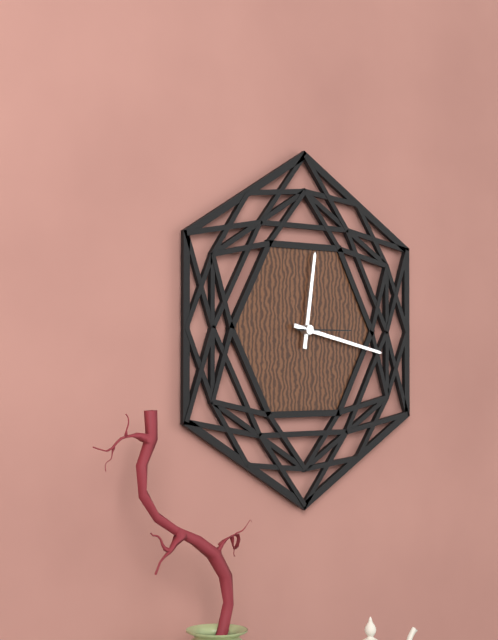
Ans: 12:17:15
